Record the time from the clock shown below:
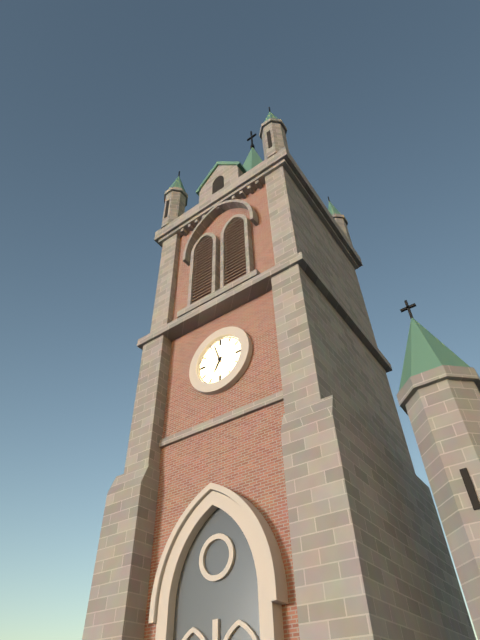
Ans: 6:57
